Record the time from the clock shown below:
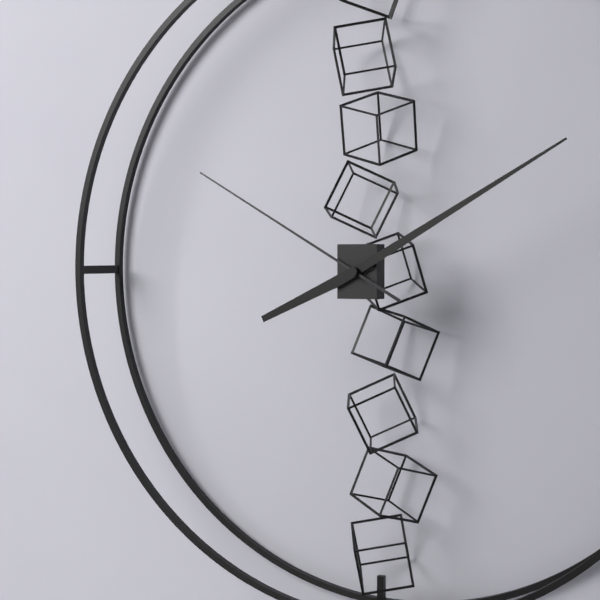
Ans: 8:10:50
